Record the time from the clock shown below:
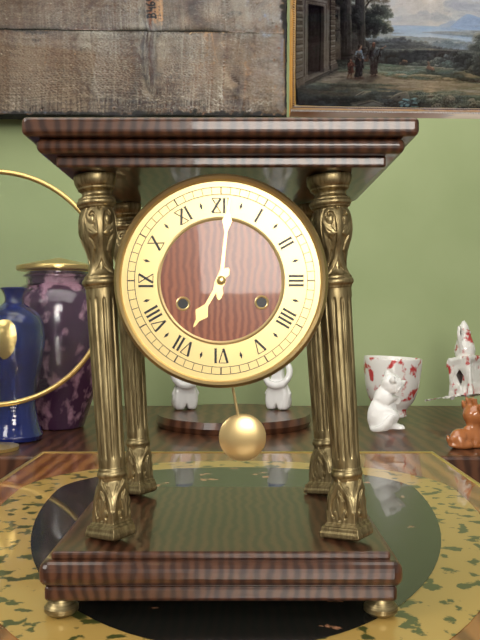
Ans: 7:01
